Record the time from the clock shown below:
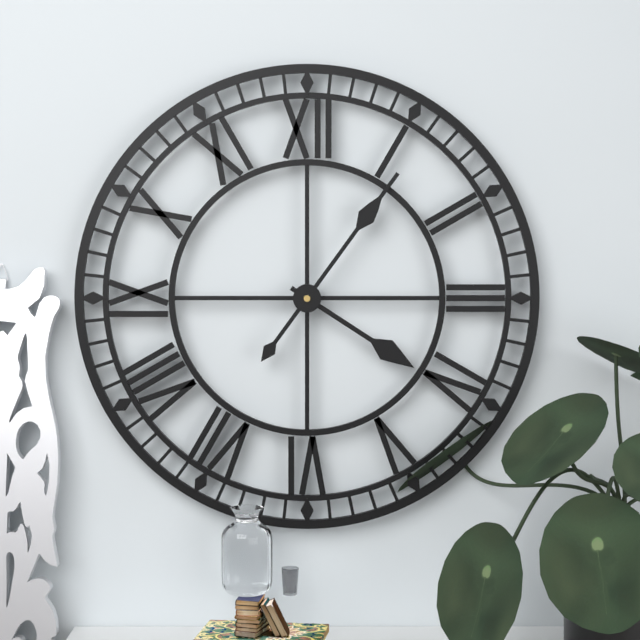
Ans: 4:06
